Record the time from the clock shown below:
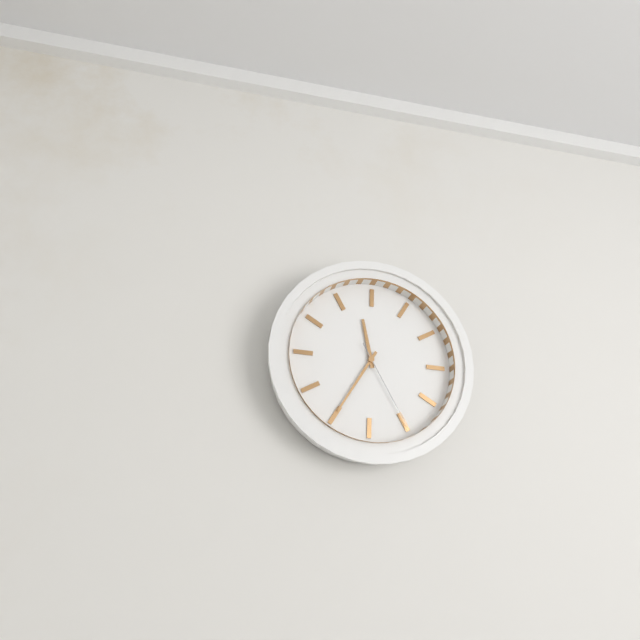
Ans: 11:35:25
